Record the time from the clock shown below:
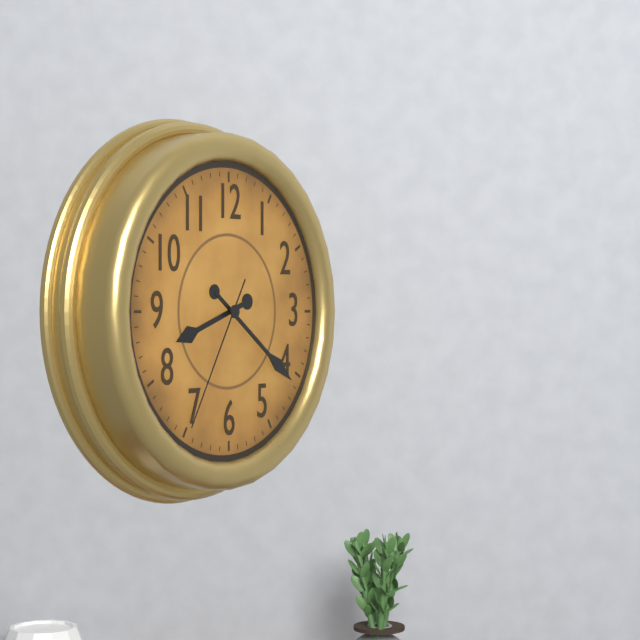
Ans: 8:21:35
